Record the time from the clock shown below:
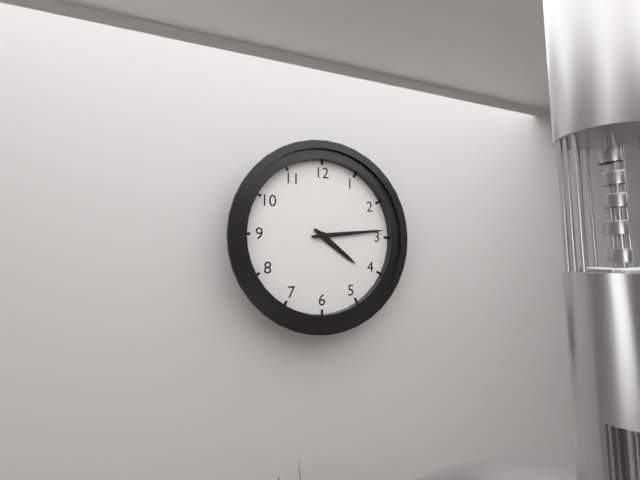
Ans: 4:14
